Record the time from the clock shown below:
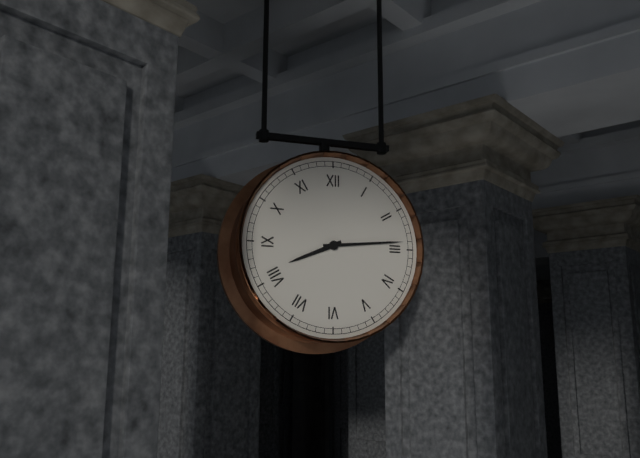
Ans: 8:14
